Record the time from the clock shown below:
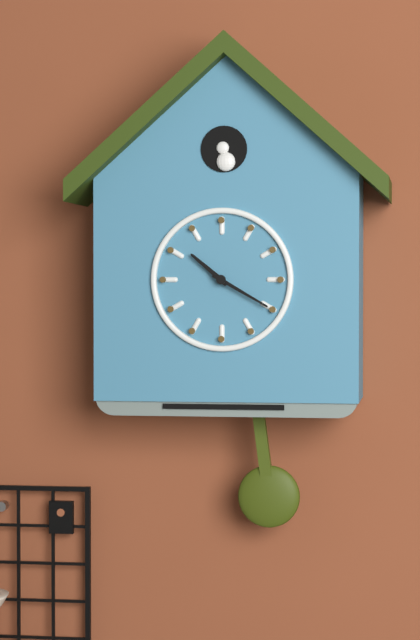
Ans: 10:20
